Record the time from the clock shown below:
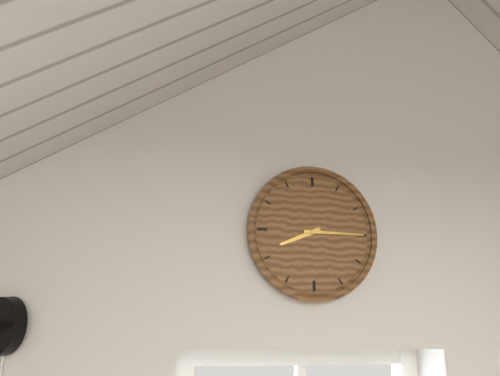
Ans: 8:15
